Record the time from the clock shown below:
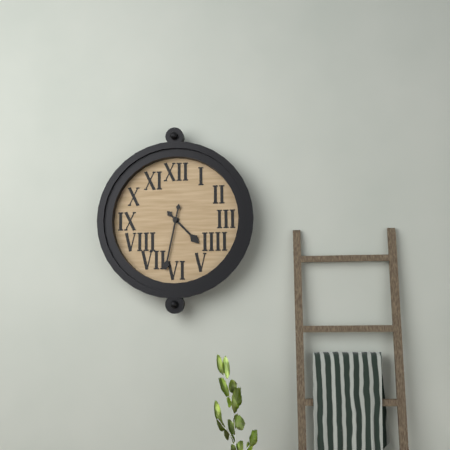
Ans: 4:32
